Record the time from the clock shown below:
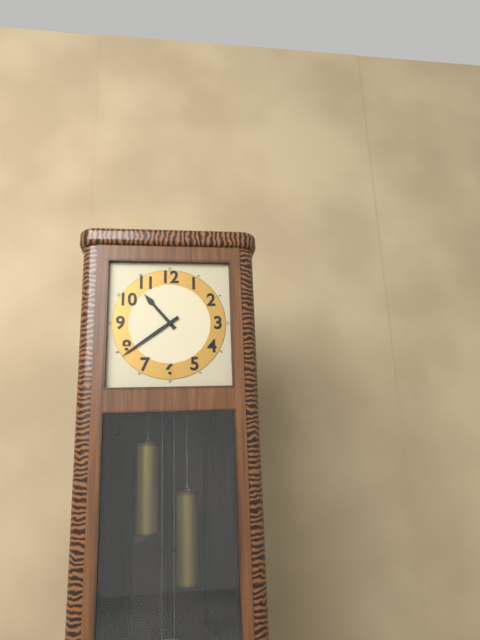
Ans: 10:39
